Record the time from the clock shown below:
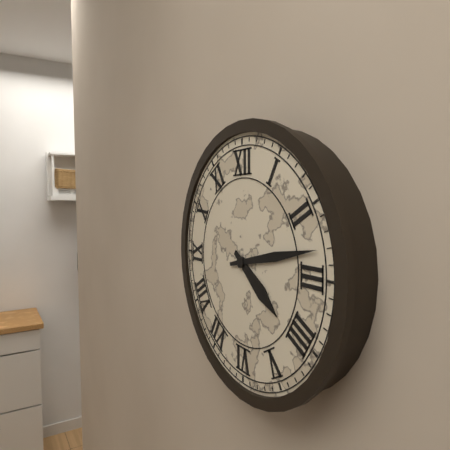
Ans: 4:13
